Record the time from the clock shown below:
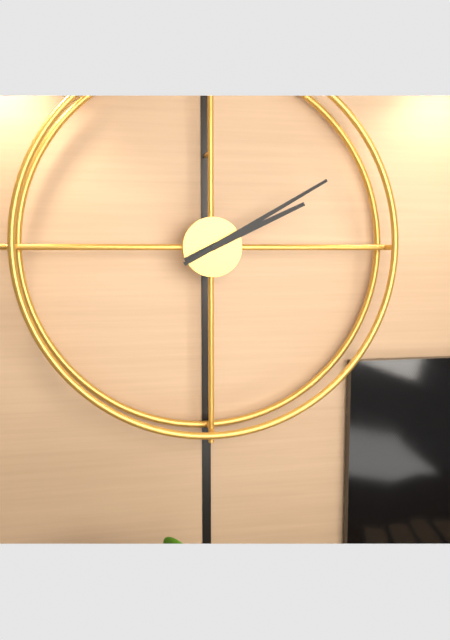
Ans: 2:10
